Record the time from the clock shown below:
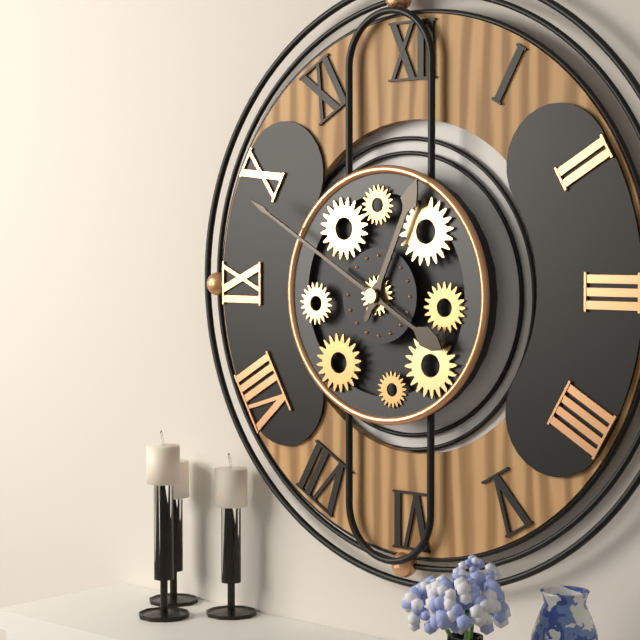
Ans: 12:50
